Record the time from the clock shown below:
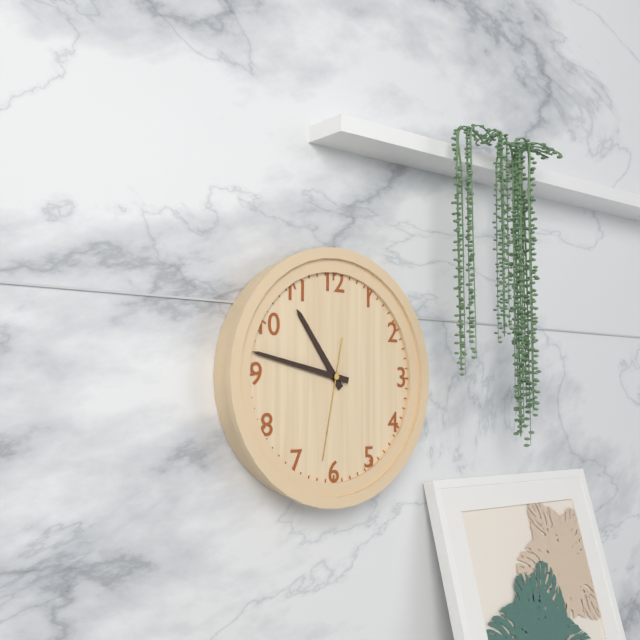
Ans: 10:47:32
